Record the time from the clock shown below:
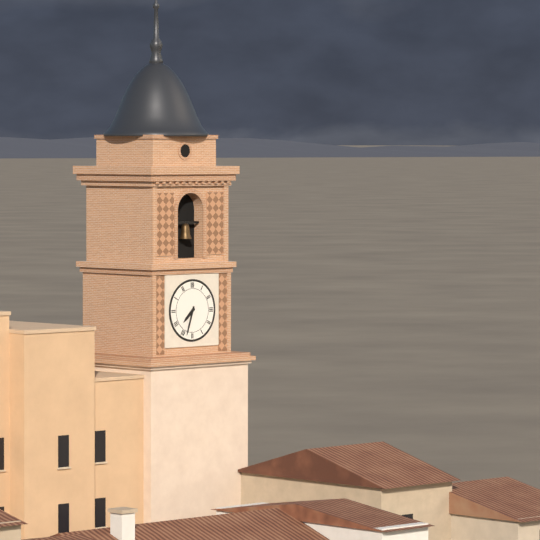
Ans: 7:33
